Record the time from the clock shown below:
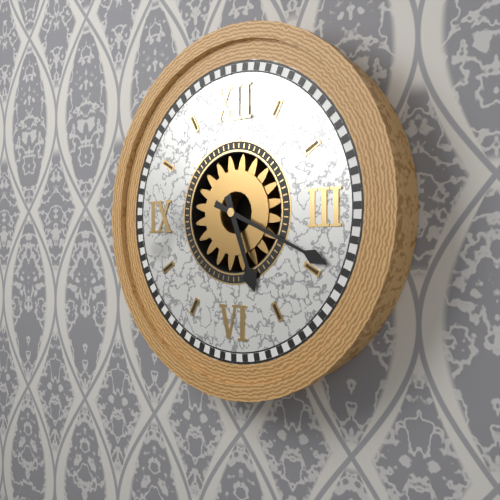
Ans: 5:19
